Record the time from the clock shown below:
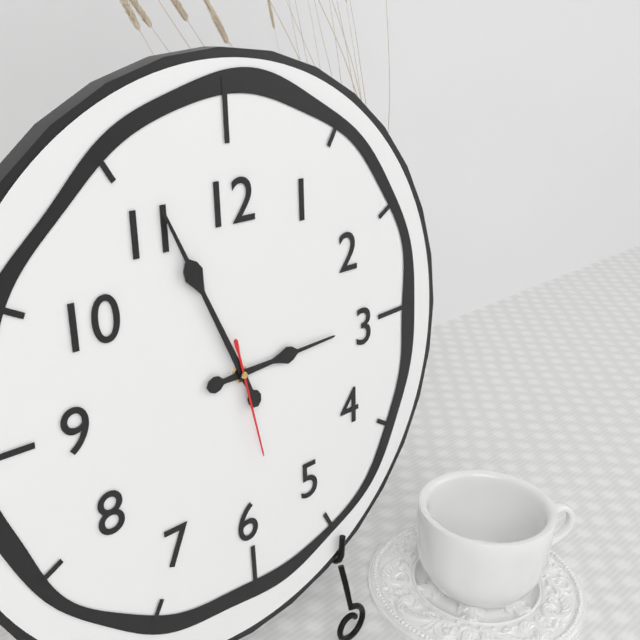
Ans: 2:56:28
